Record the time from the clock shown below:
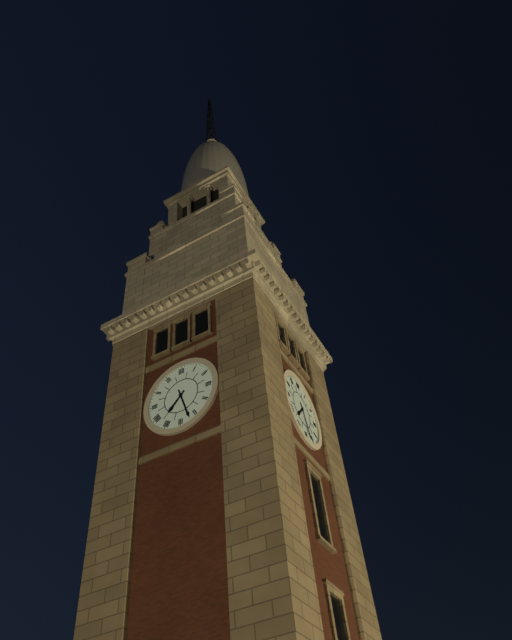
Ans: 7:27
